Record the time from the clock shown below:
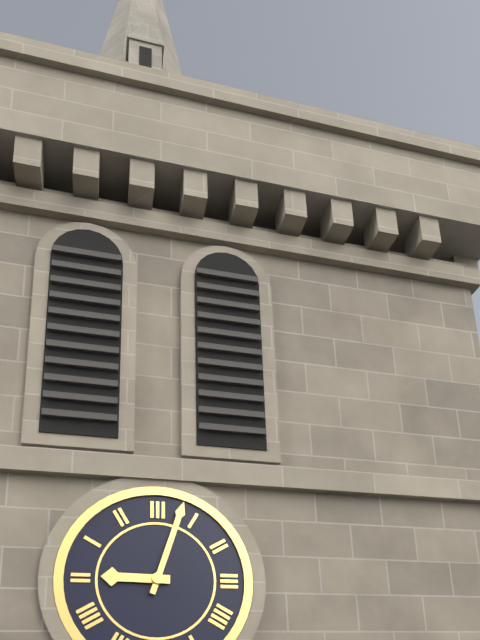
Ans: 9:03
